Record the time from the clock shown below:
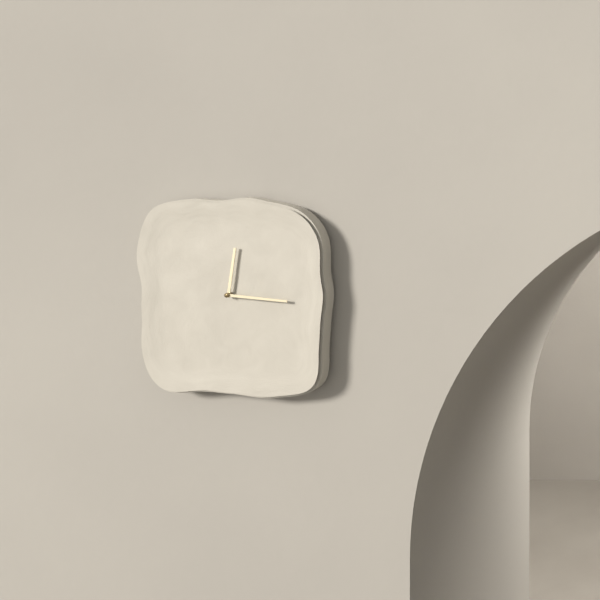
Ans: 12:16
